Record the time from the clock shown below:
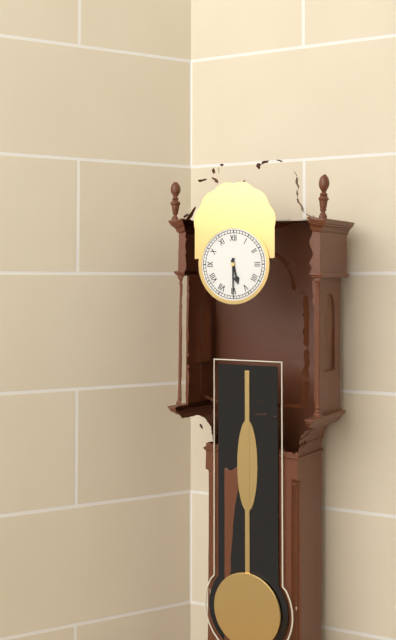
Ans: 5:30
